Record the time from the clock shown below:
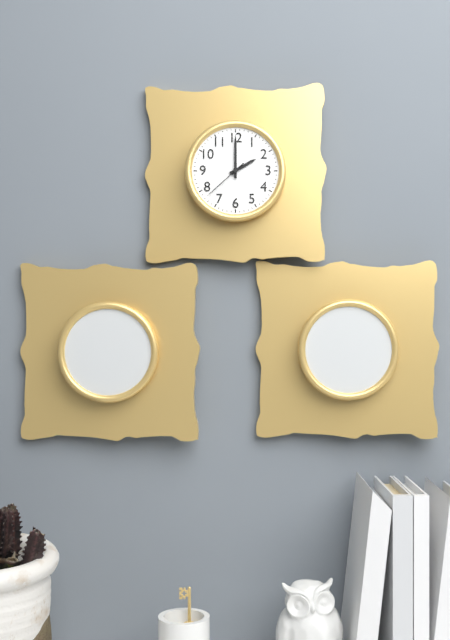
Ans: 2:00
